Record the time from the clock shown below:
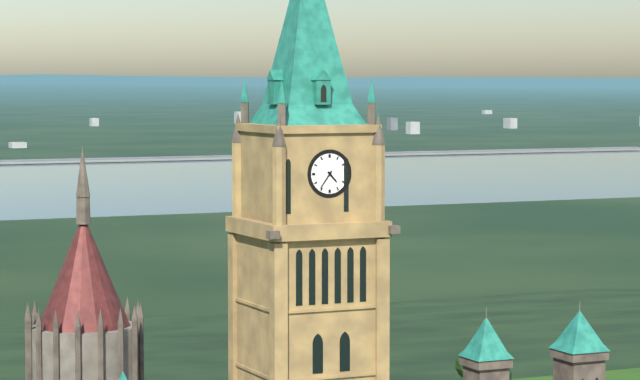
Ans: 4:36
